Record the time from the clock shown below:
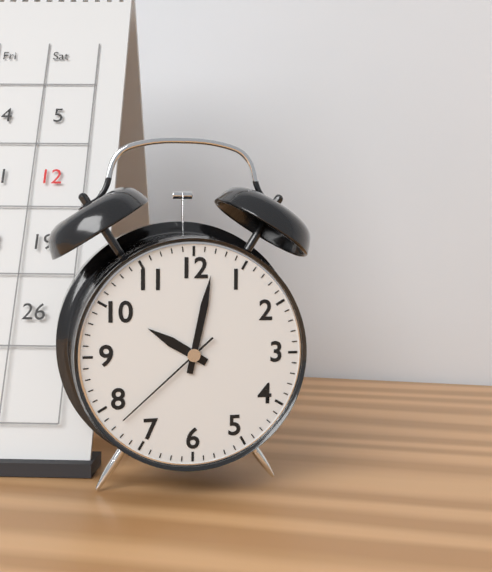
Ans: 10:02:38
